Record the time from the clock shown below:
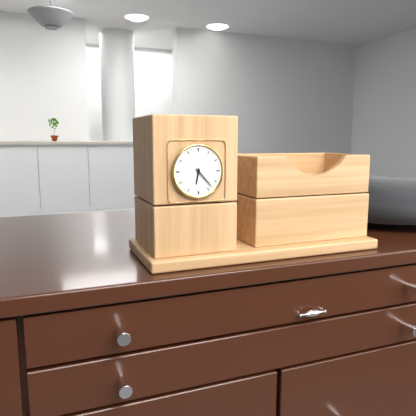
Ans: 6:23
